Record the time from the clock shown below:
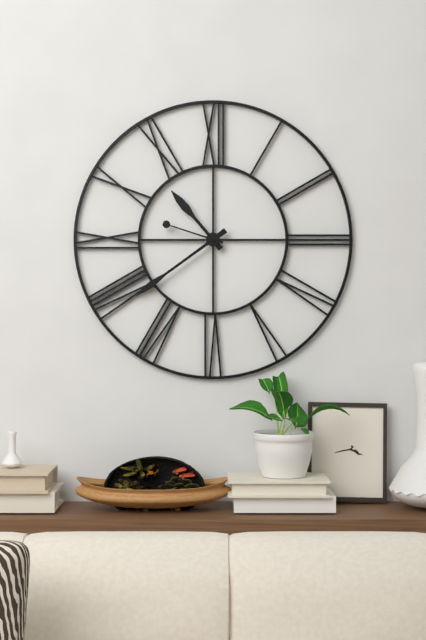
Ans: 10:39:48
